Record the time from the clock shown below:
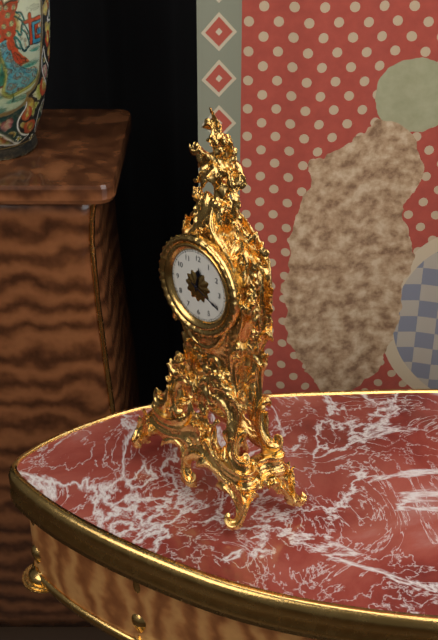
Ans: 12:19
